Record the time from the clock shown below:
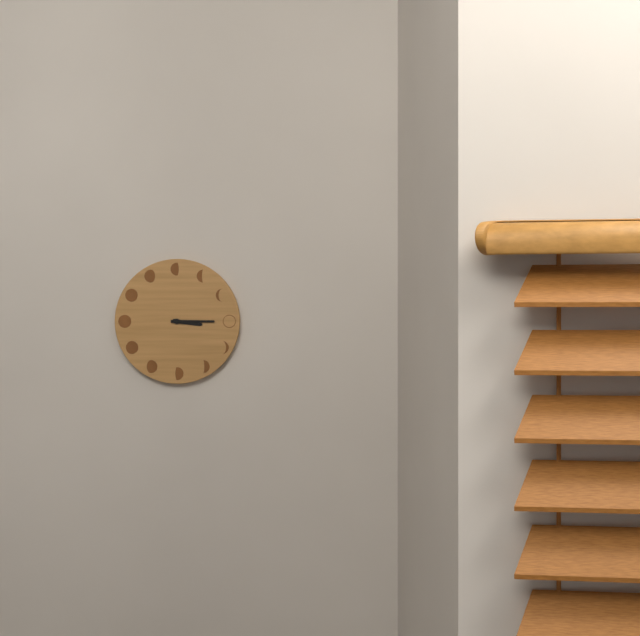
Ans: 3:15
